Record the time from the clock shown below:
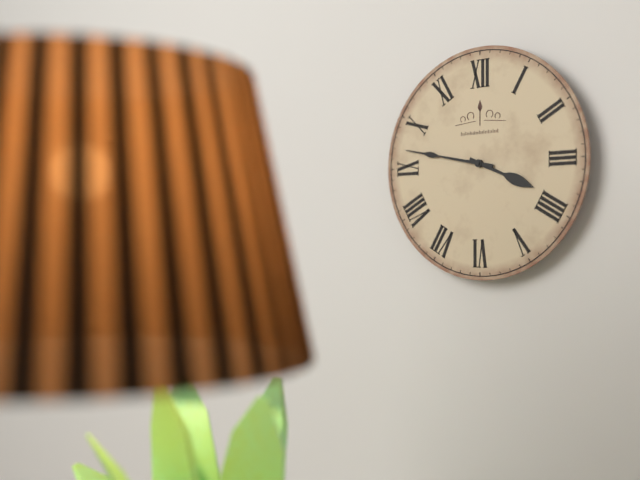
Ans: 3:47
